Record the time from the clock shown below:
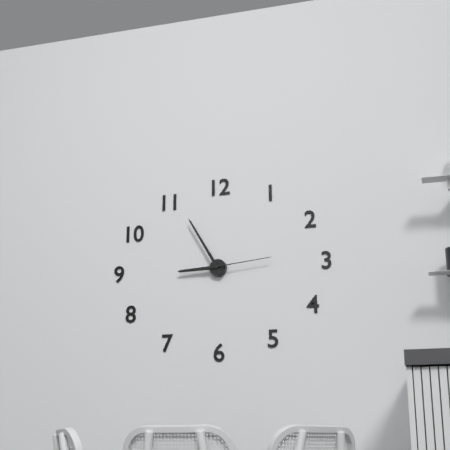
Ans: 8:55:14
